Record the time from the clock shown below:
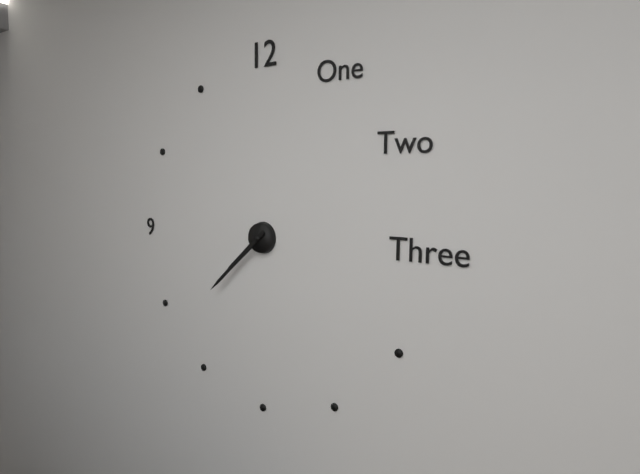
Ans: 7:38
